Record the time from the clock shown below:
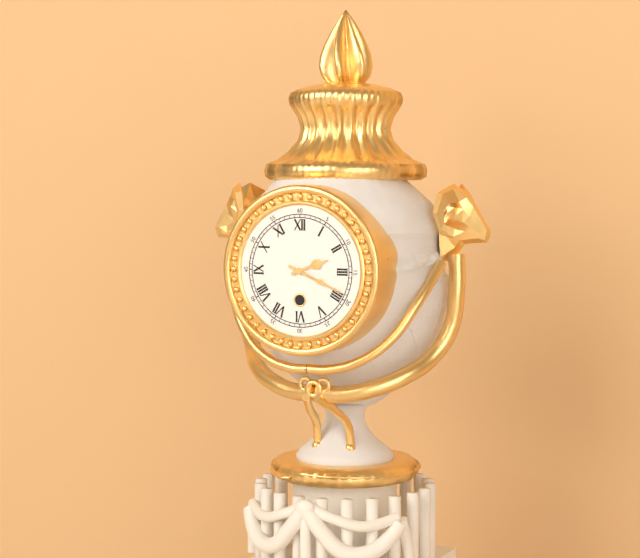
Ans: 2:19
